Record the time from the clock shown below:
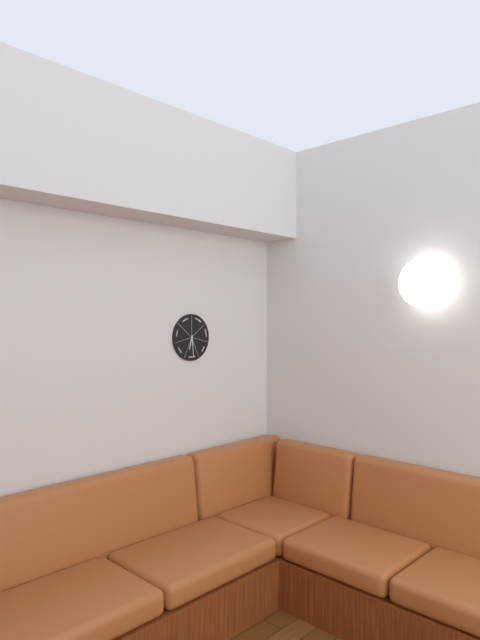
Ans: 6:29
